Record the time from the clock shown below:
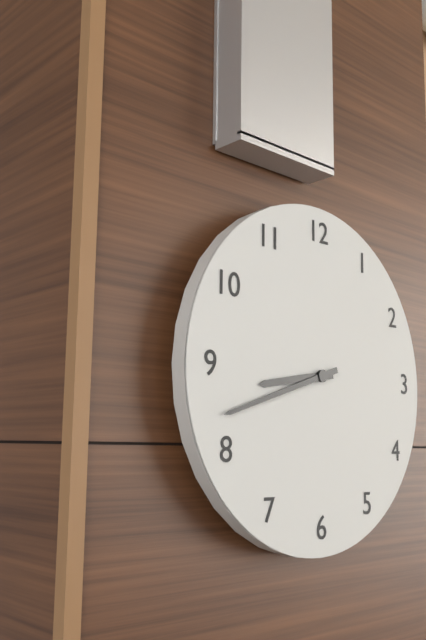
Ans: 8:42
